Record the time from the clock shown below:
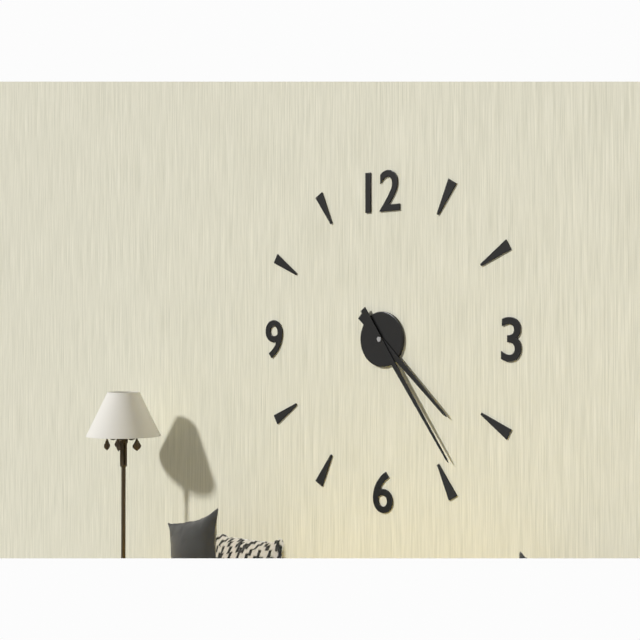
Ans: 4:24
